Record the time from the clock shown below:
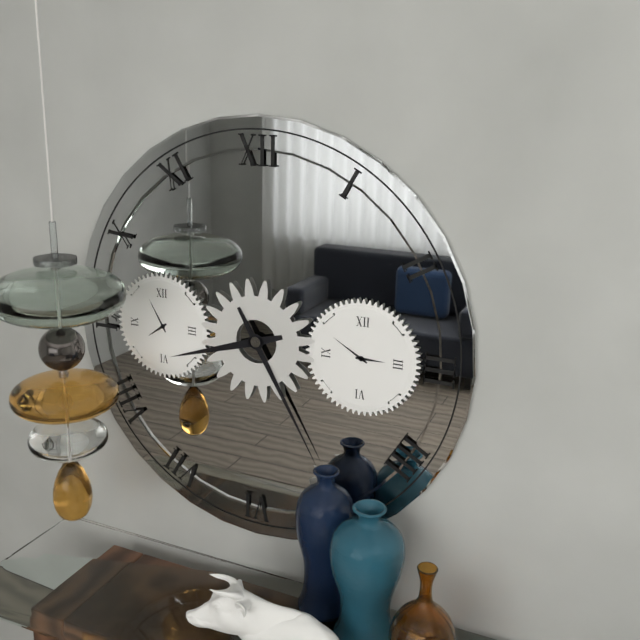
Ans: 8:25
